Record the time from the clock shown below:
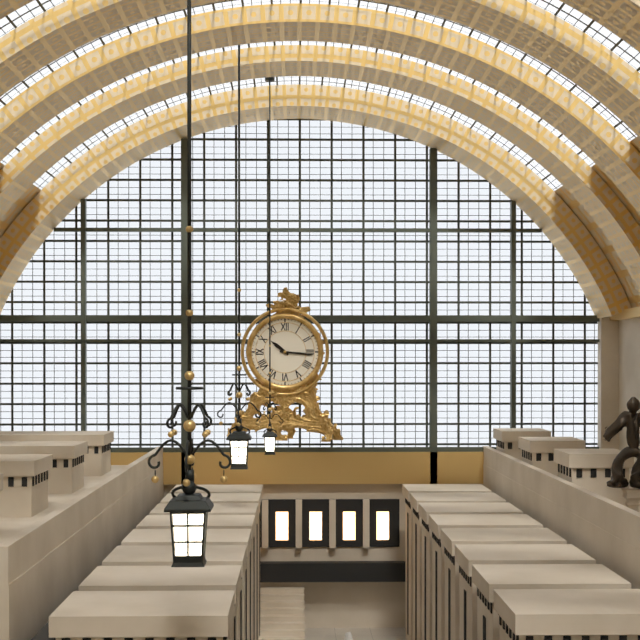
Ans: 10:16
